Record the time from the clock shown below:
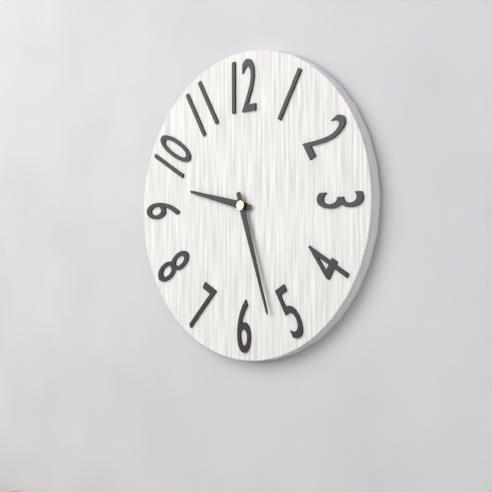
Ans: 9:27
